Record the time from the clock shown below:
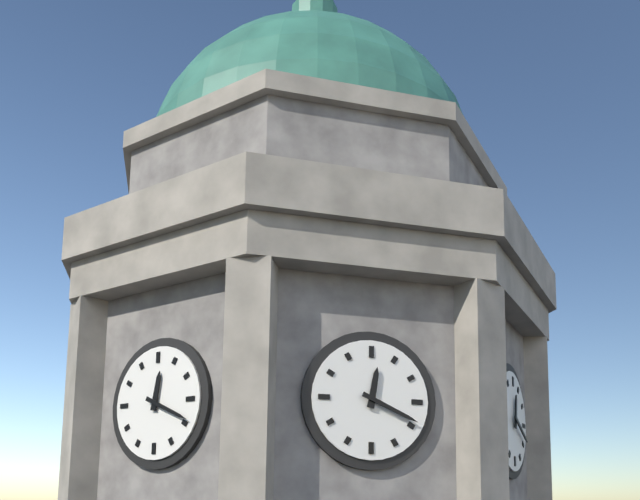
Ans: 12:19
